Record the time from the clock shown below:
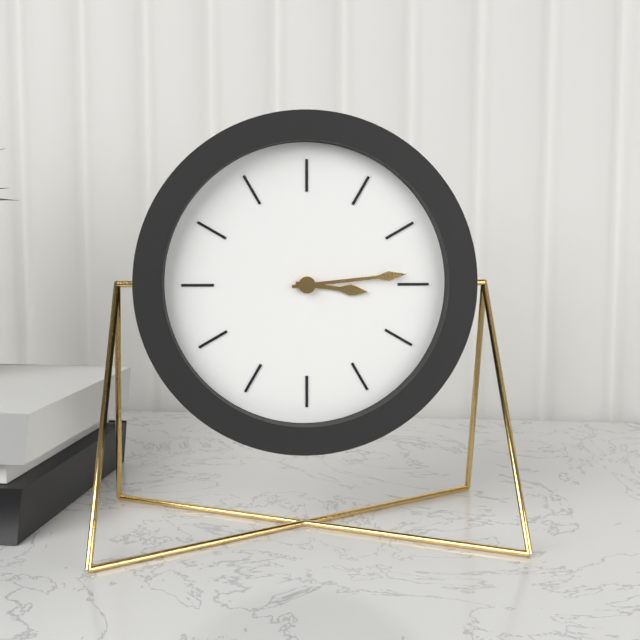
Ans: 3:14
